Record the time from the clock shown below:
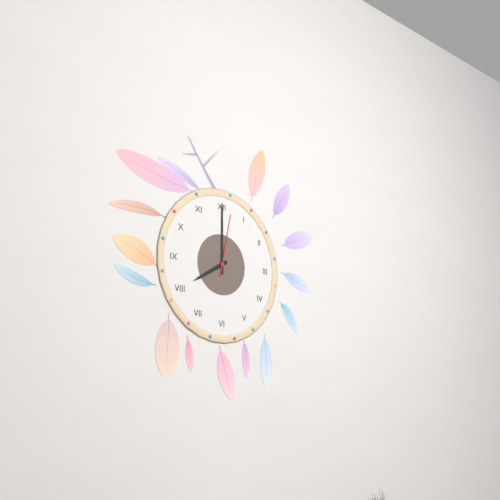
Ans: 8:00:02
